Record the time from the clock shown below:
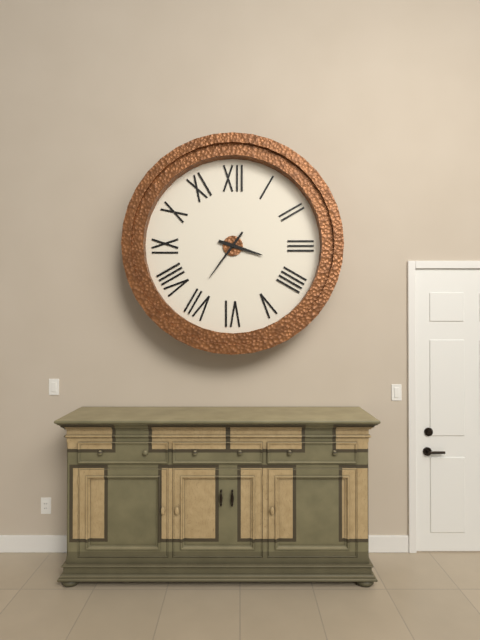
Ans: 3:36
